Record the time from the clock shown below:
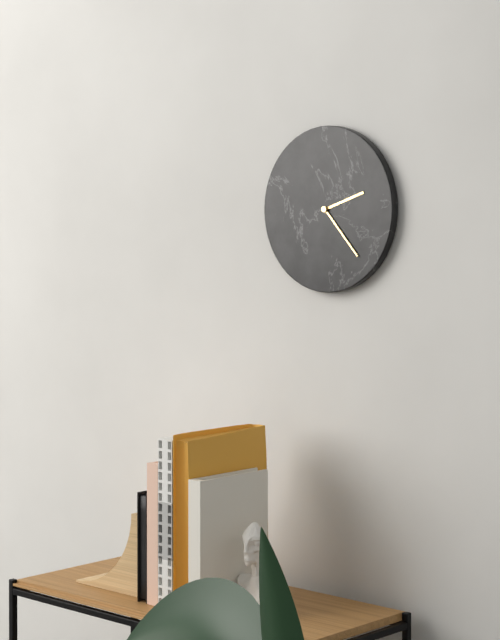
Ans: 2:23
